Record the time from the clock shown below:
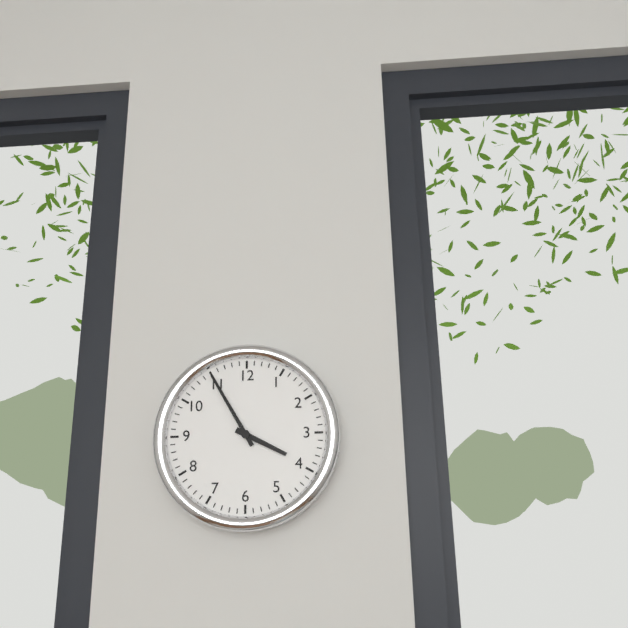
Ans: 3:55
